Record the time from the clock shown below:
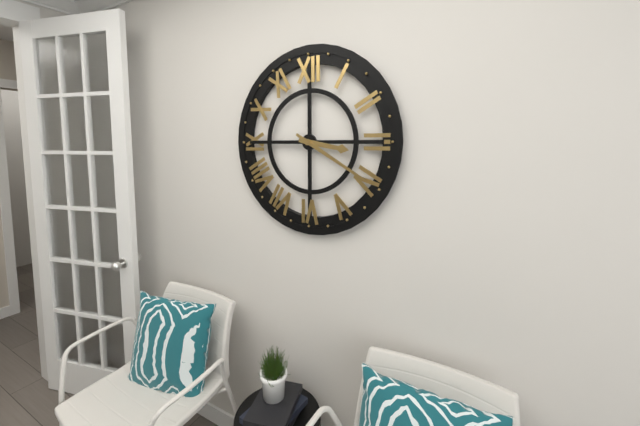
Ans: 3:20
